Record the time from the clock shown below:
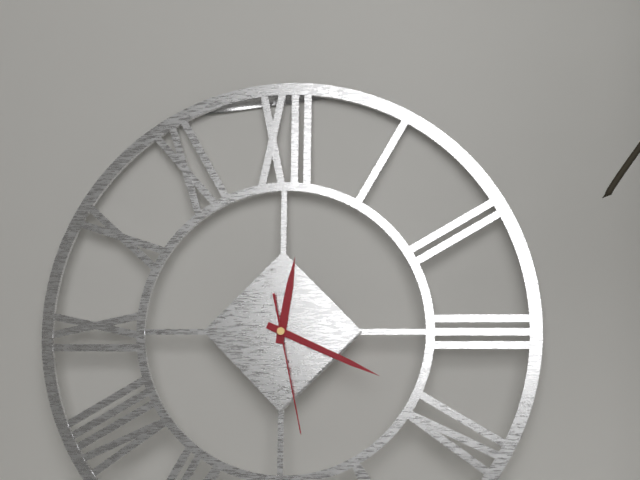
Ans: 12:19:28
